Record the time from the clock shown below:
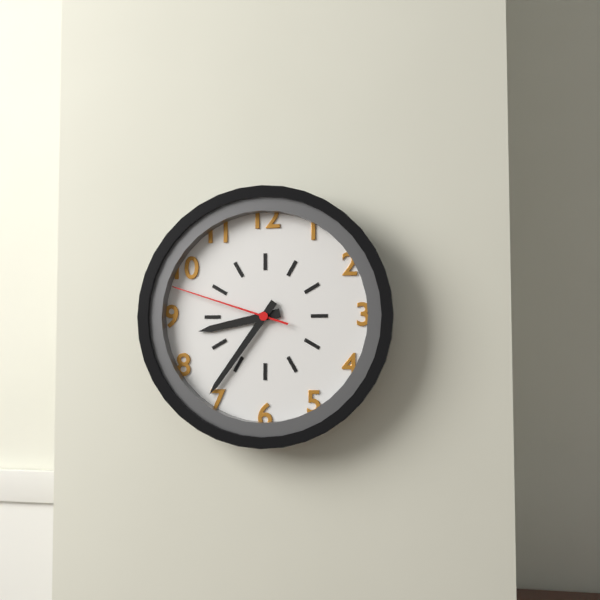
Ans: 8:36:48
